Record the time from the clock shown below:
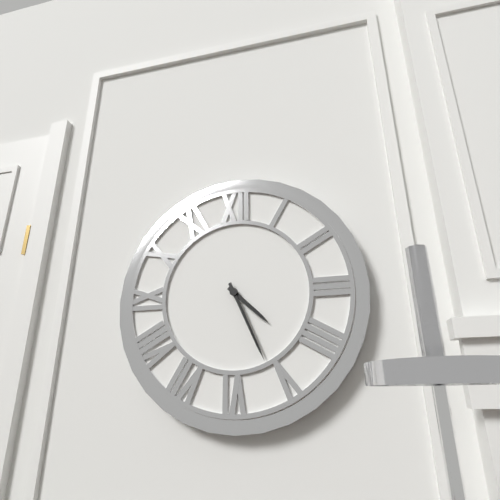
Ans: 4:26
